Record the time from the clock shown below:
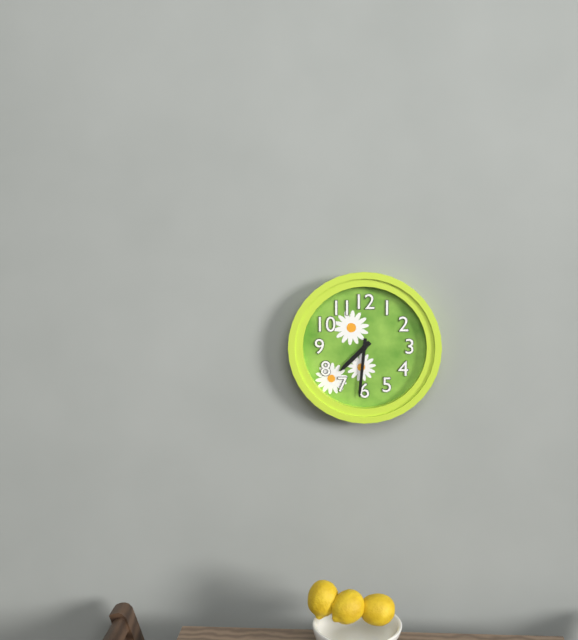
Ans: 7:31
